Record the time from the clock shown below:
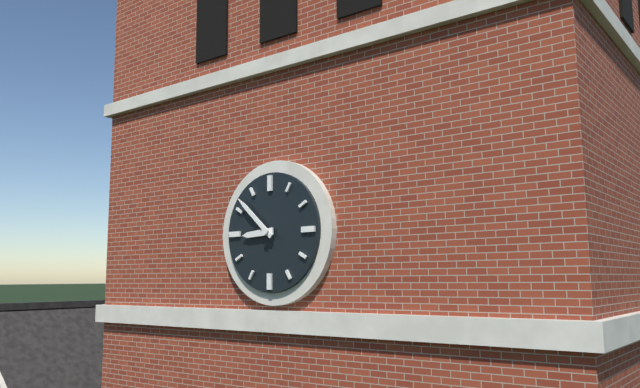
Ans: 8:52
